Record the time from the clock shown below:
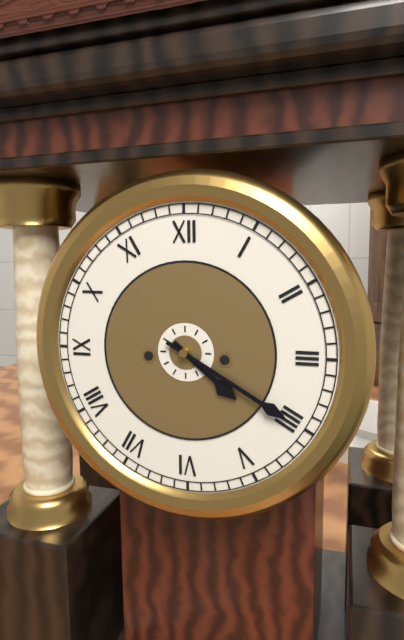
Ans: 4:20
